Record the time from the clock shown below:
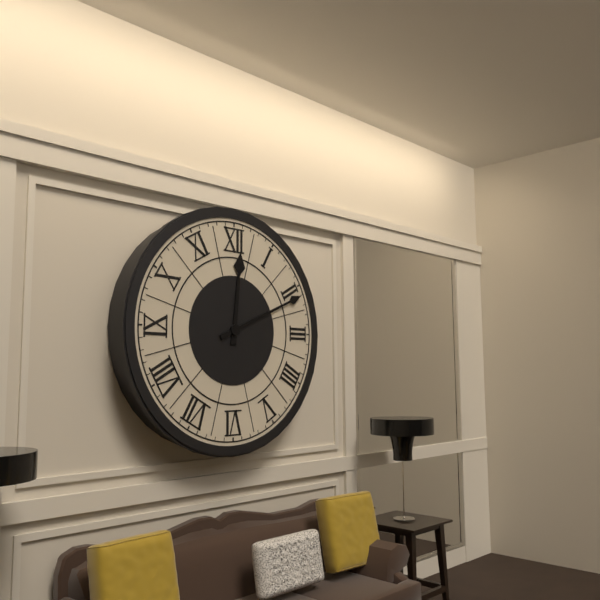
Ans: 12:11
